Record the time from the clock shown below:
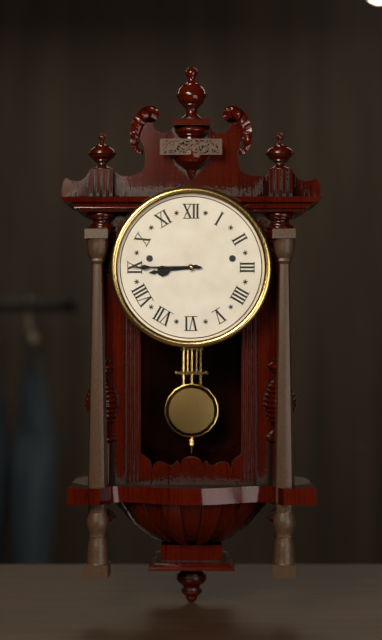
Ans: 8:45
